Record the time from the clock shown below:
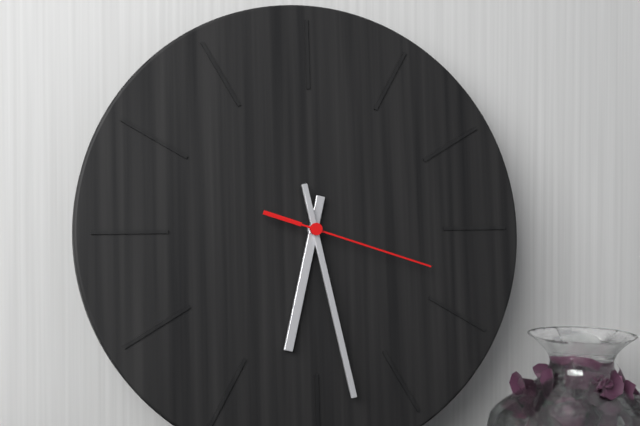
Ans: 6:28:18
